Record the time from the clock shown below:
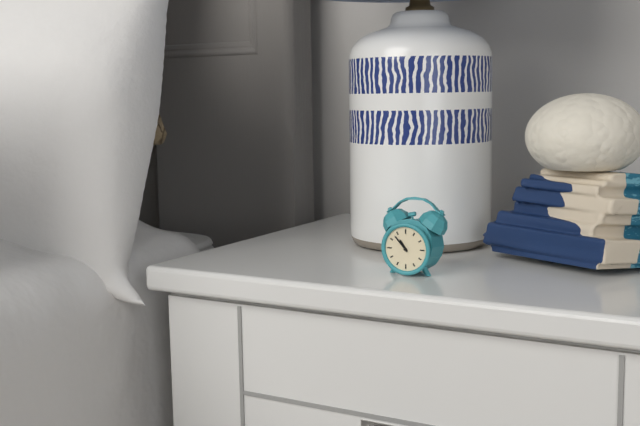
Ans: 10:53
